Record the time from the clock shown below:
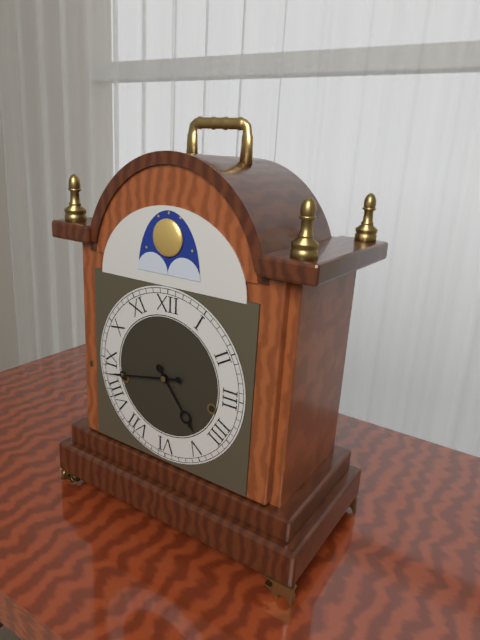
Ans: 4:43
